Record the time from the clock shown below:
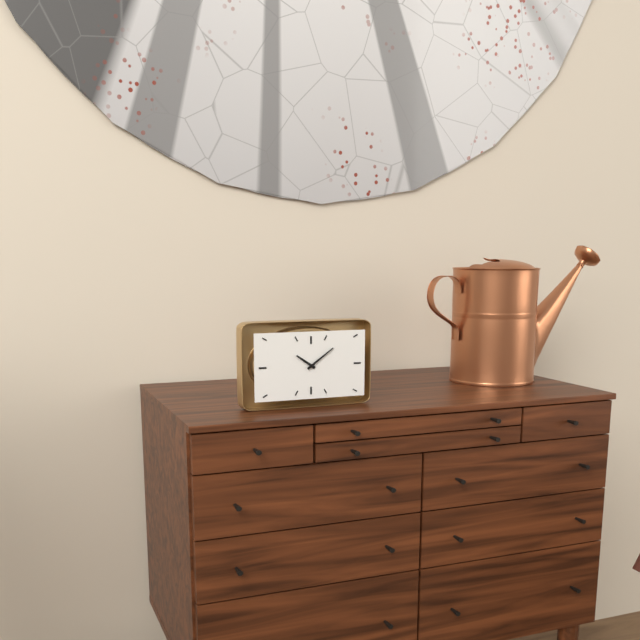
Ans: 10:09
